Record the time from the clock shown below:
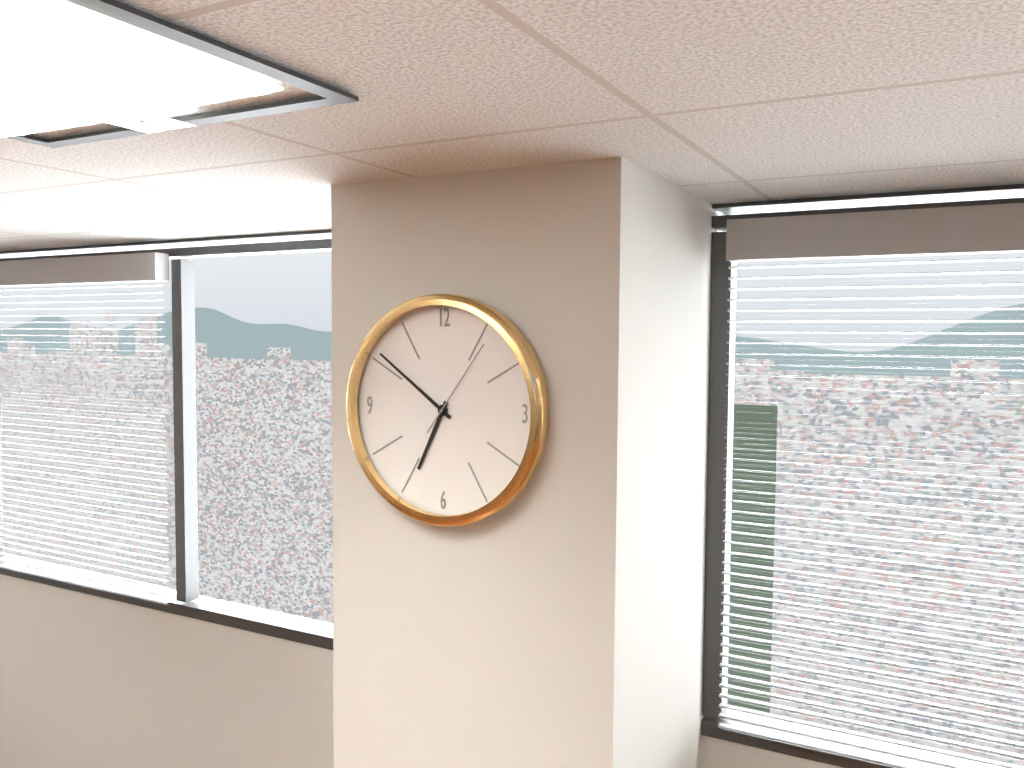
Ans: 6:51:06
